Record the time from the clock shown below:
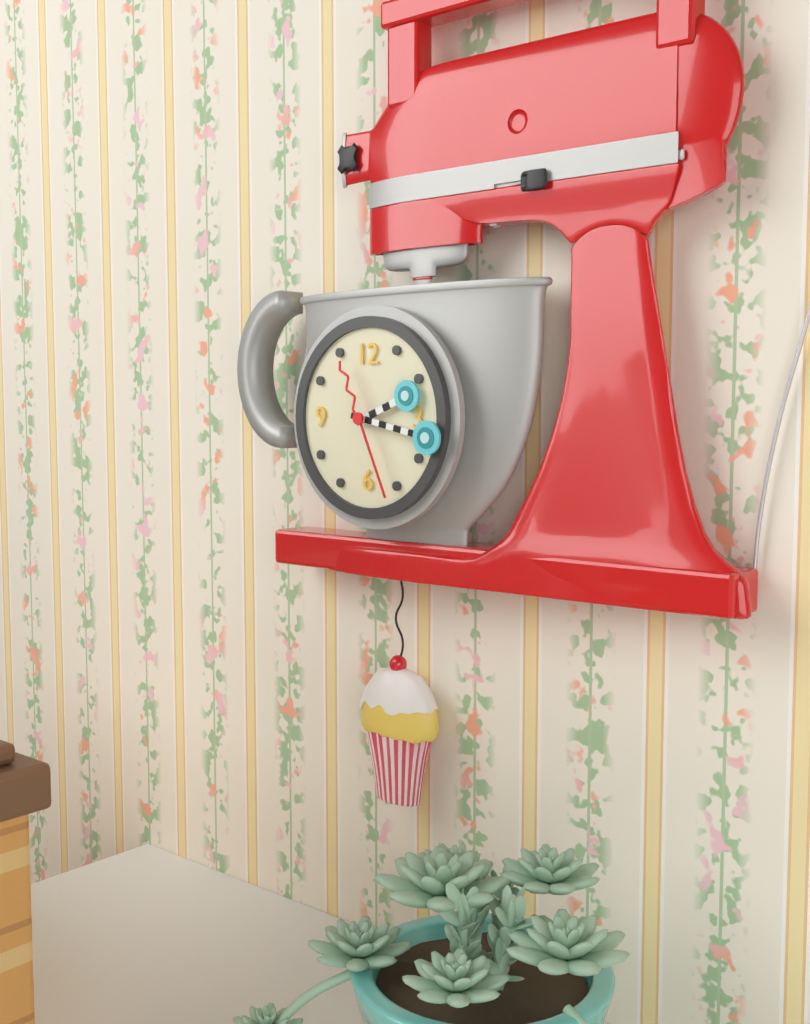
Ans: 2:17:26
